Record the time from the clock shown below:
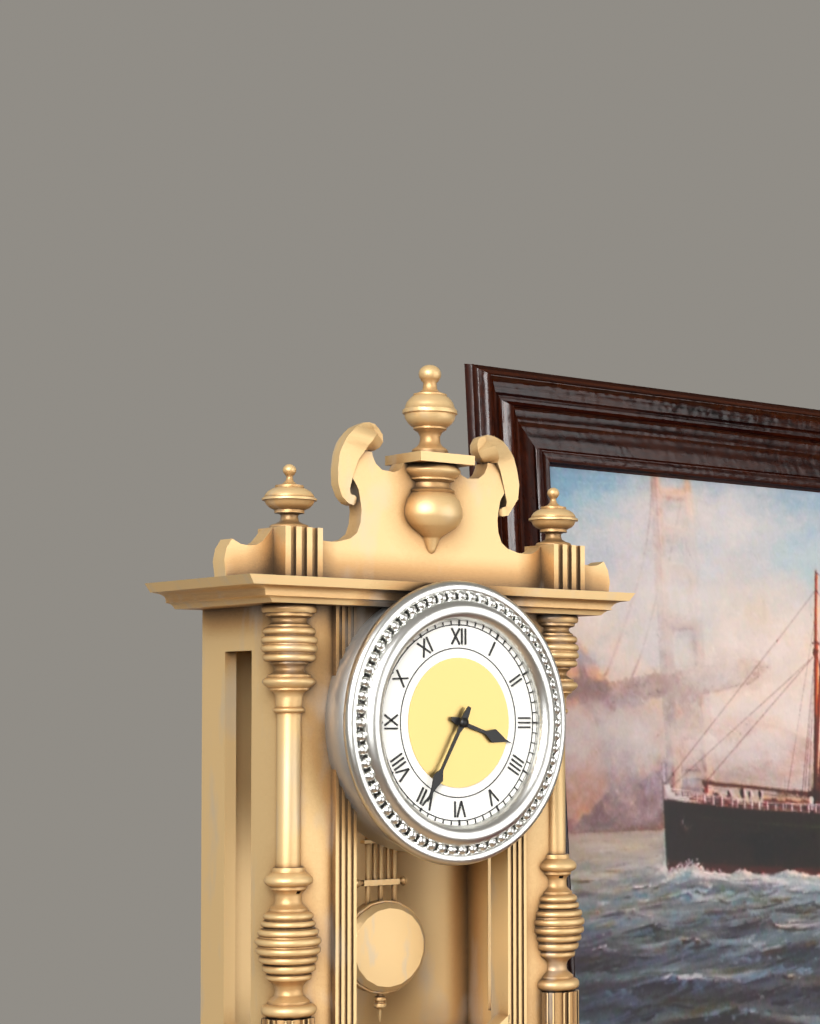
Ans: 3:35
